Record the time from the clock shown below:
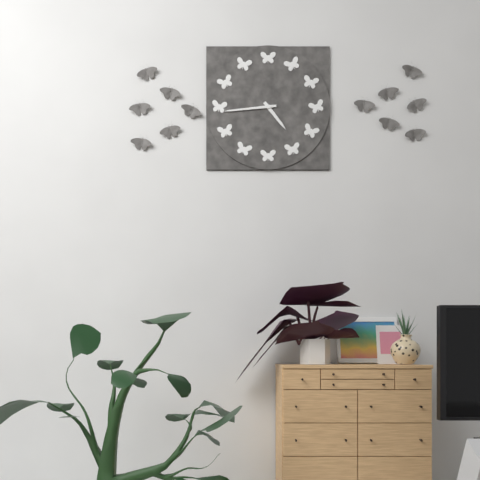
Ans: 4:44
